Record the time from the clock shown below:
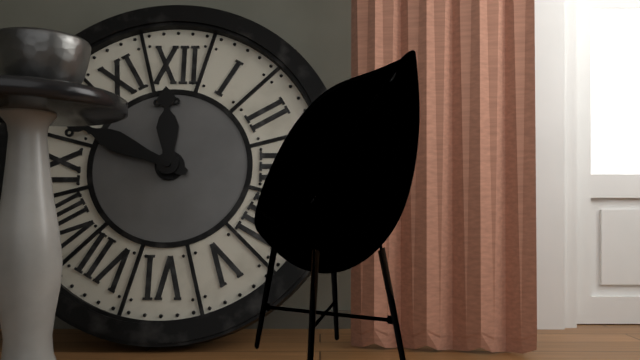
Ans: 11:49
